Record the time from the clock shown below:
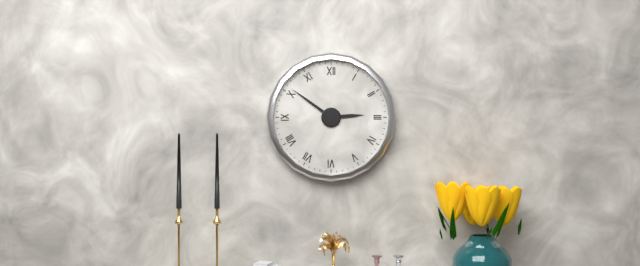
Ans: 2:51
